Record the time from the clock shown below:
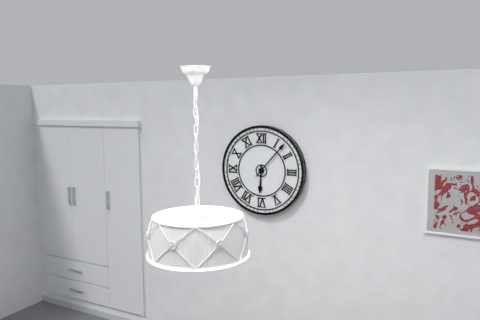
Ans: 6:07
